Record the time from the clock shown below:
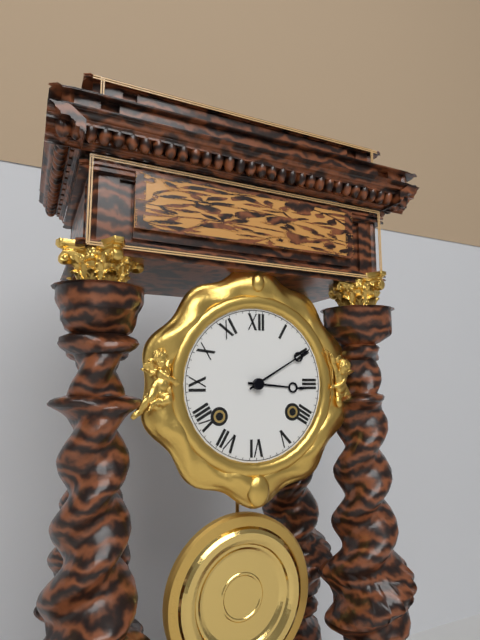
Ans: 3:10
